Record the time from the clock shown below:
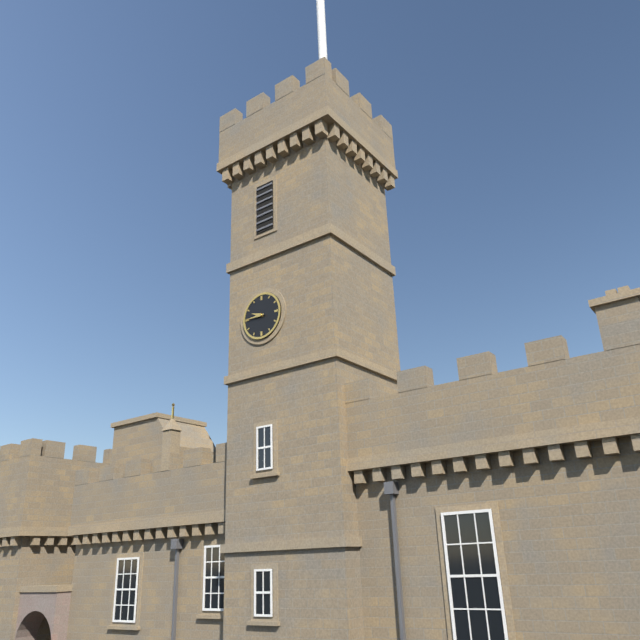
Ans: 9:45
